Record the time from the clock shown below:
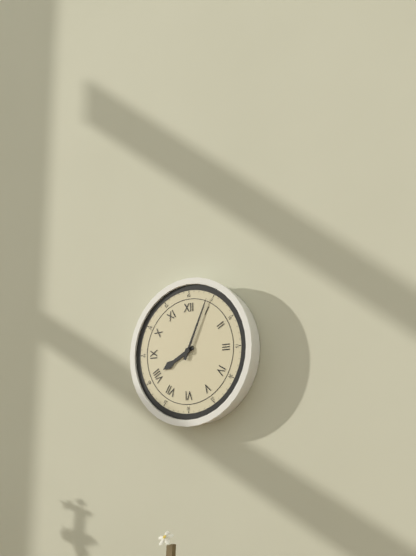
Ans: 8:04
